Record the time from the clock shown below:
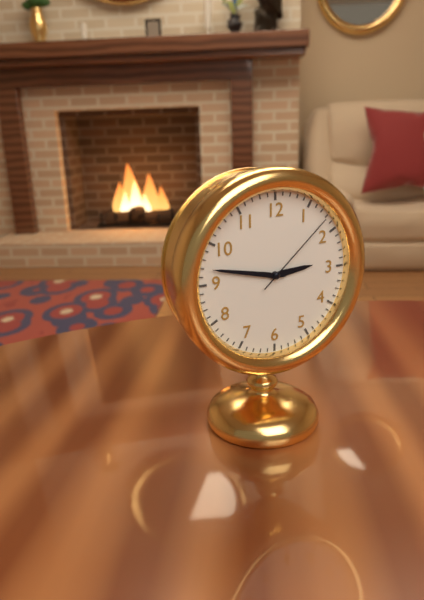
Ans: 2:47:08
